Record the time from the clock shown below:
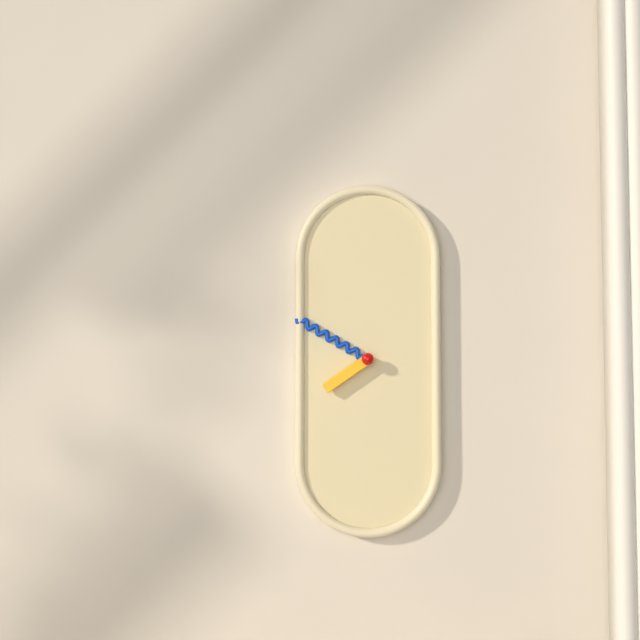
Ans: 7:50
